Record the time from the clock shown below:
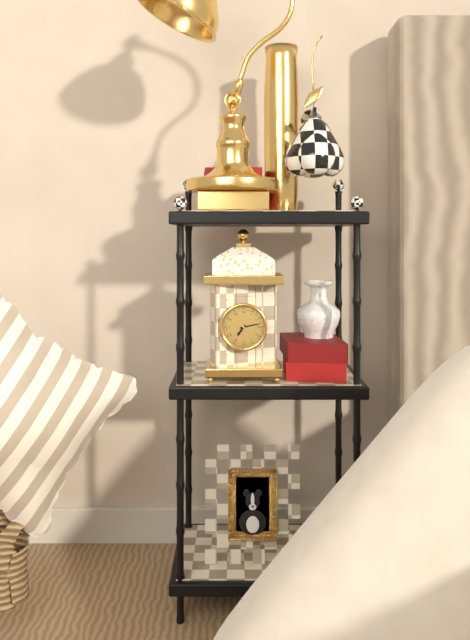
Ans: 7:13
